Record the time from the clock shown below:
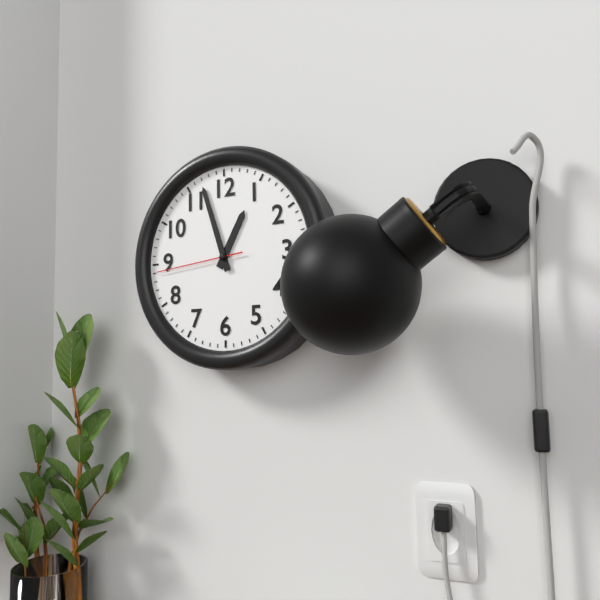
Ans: 12:57:44
